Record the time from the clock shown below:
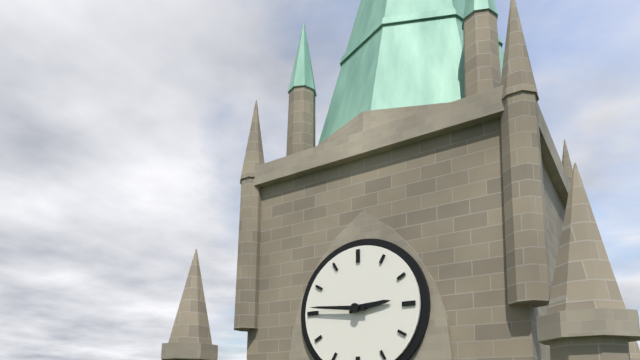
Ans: 2:46
